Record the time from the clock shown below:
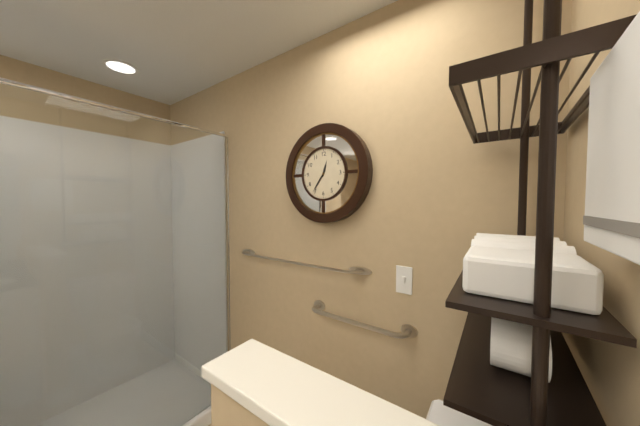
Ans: 12:36
